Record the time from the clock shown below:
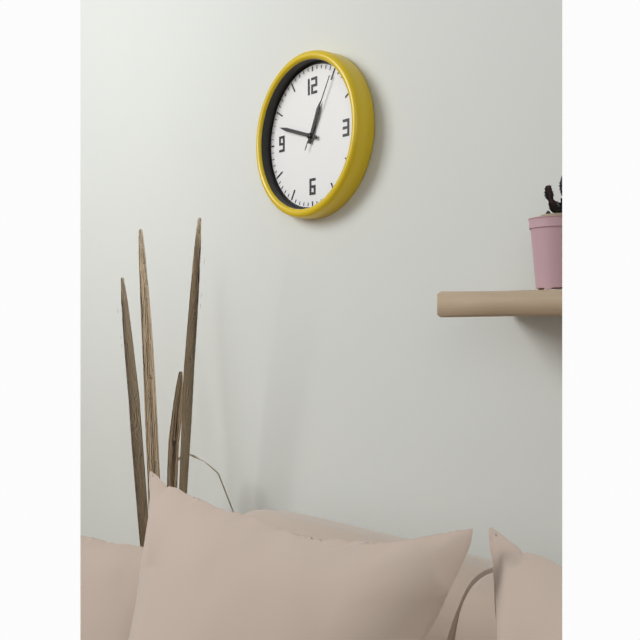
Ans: 12:48:05
